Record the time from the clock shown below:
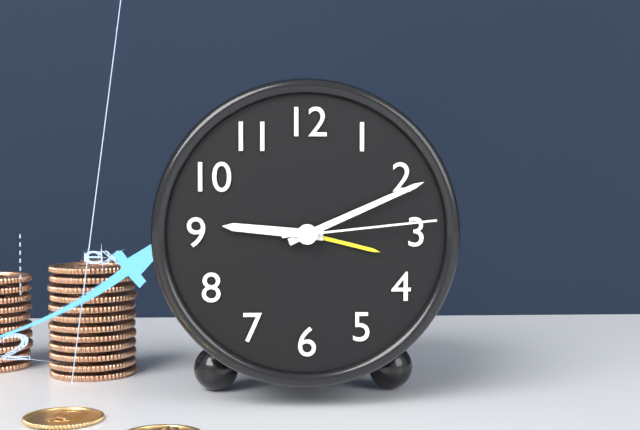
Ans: 9:11:14
